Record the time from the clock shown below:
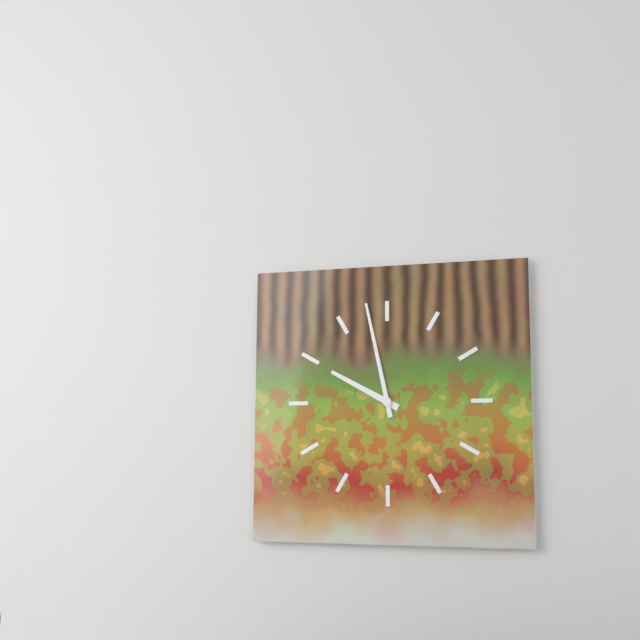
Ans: 9:58
